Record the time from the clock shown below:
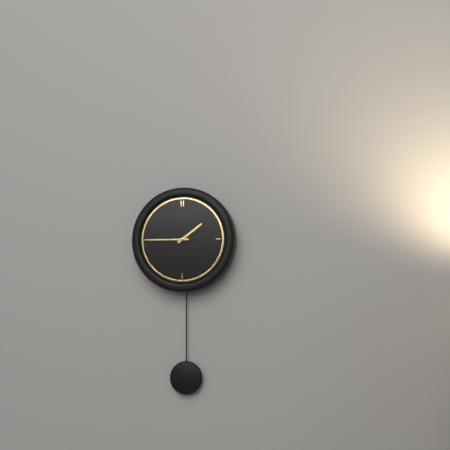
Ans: 1:45
